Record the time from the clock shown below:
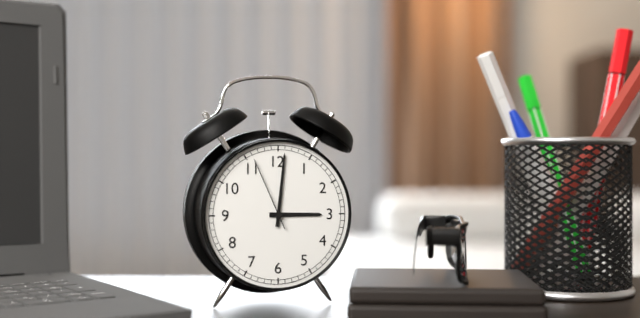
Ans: 3:01:56
